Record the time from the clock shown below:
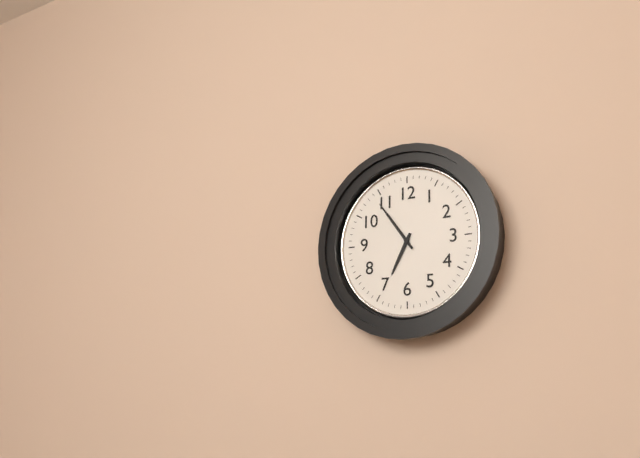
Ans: 6:54
